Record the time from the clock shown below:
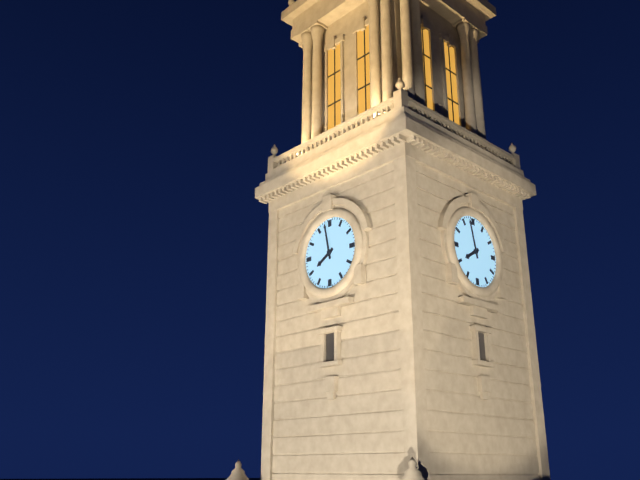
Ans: 7:58
